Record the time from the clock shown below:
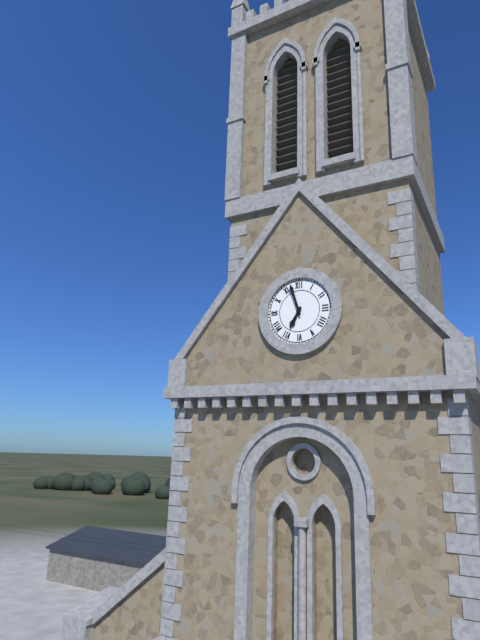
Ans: 6:57
